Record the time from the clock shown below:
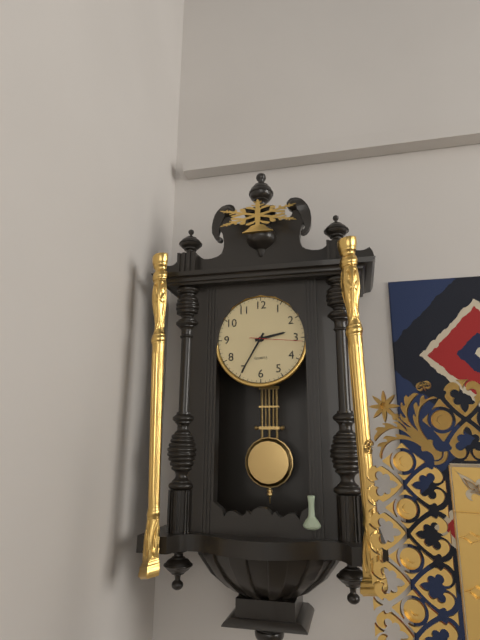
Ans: 2:35:16
